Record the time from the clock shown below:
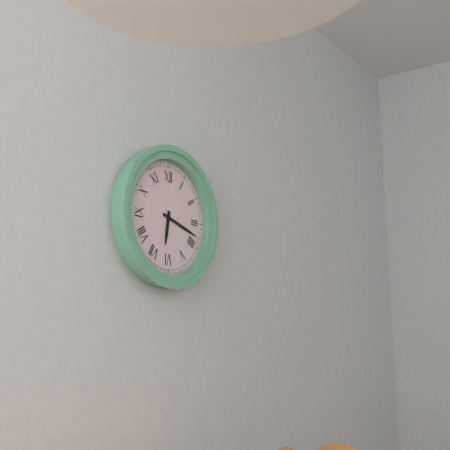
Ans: 6:18
